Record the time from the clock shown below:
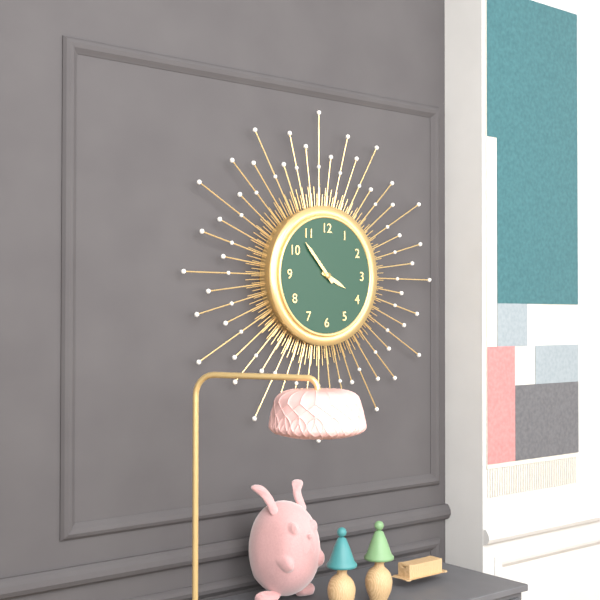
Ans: 3:53
